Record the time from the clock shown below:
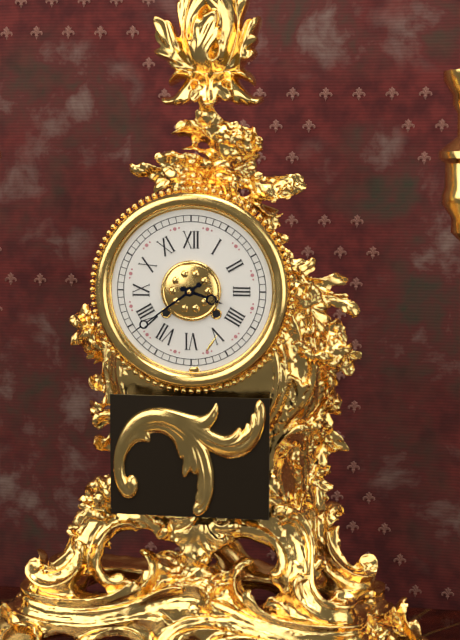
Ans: 3:39
